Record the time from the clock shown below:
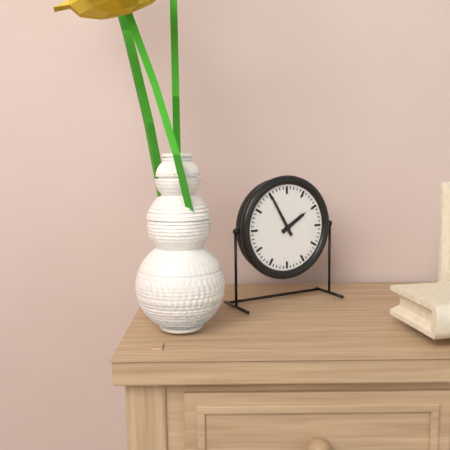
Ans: 1:55
